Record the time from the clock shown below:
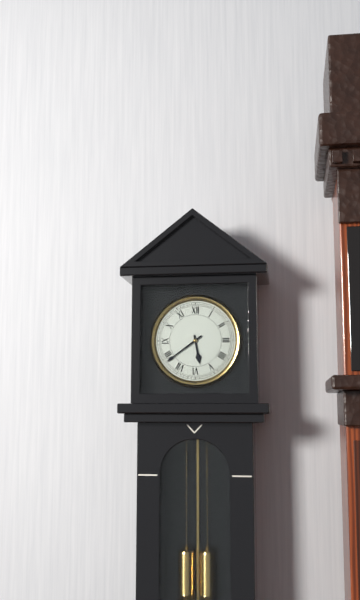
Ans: 5:39
